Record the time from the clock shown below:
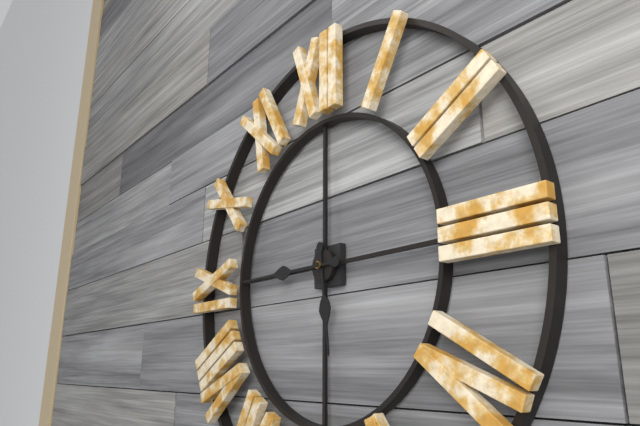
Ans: 5:45
